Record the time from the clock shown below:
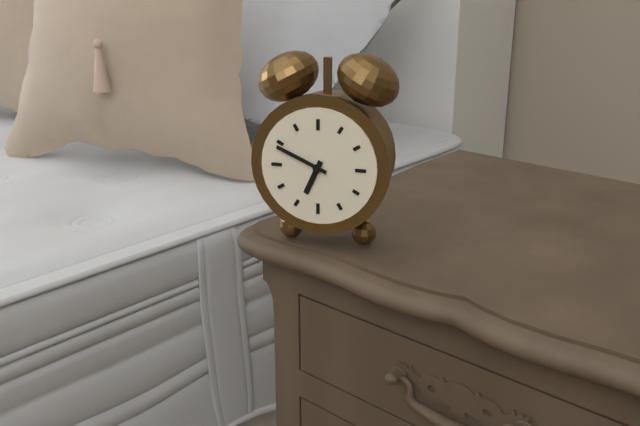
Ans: 6:49
